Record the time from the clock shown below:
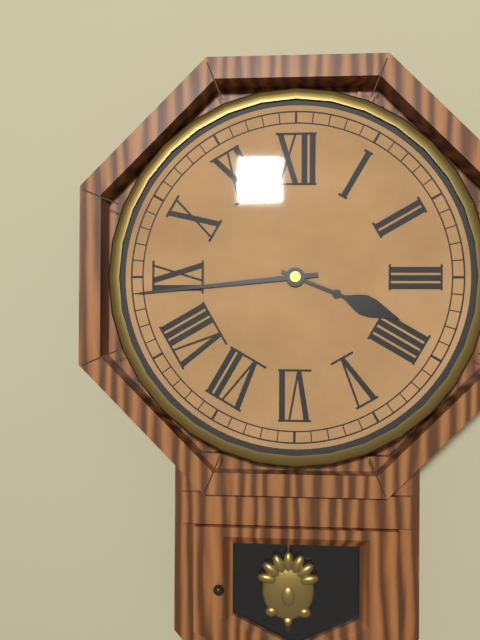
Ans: 3:44
